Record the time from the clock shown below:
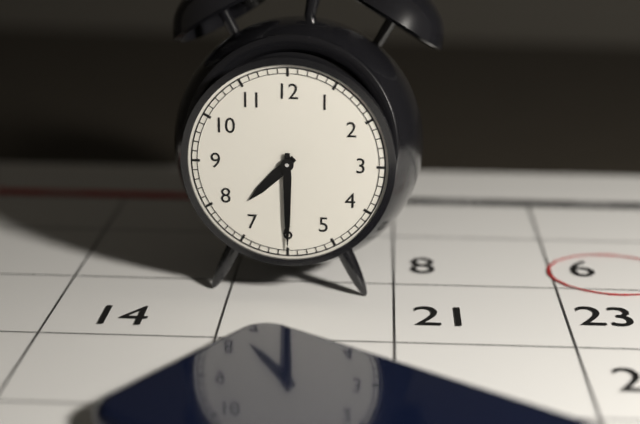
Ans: 7:30
